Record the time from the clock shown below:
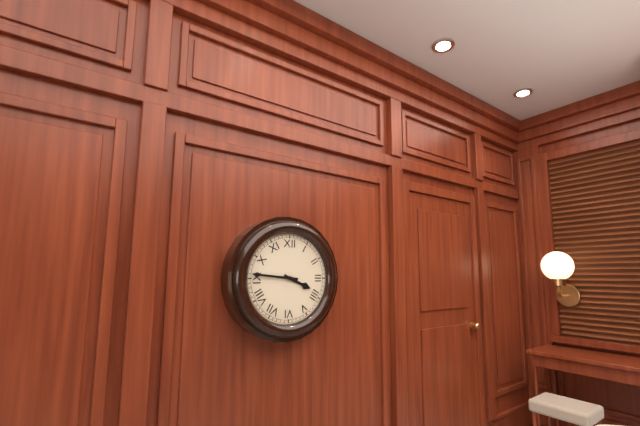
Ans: 3:46
